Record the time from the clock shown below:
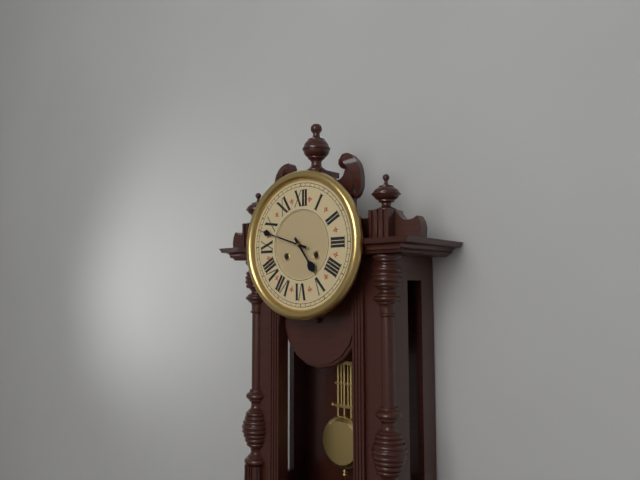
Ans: 4:48
